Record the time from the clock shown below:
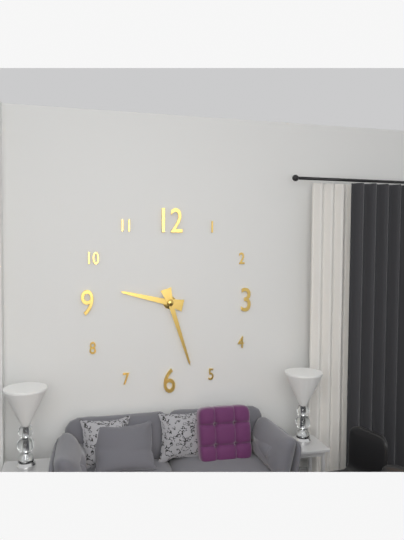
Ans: 9:27
